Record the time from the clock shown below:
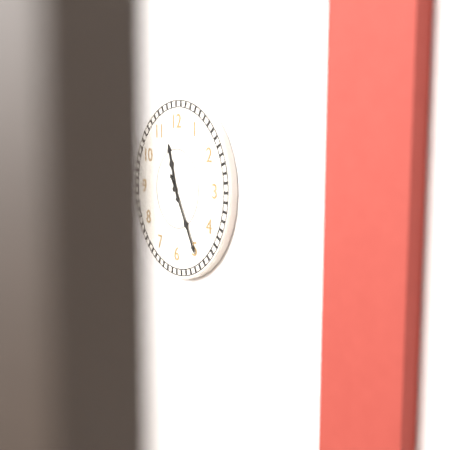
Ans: 11:25
